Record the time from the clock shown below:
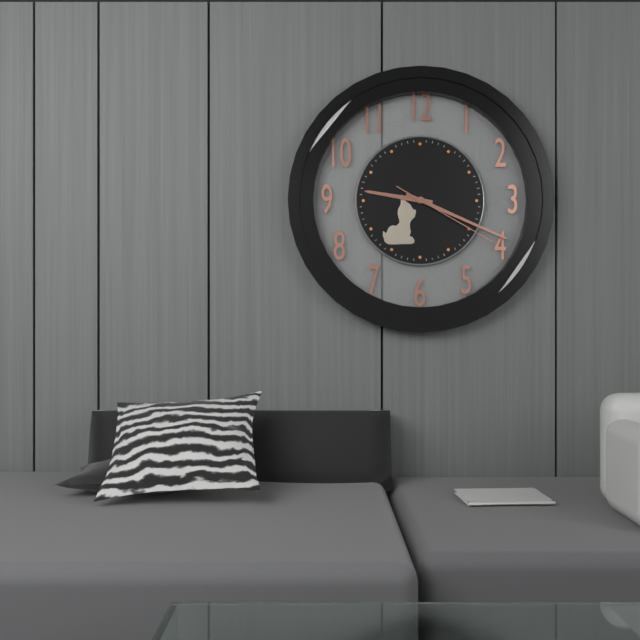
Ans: 9:19:20
